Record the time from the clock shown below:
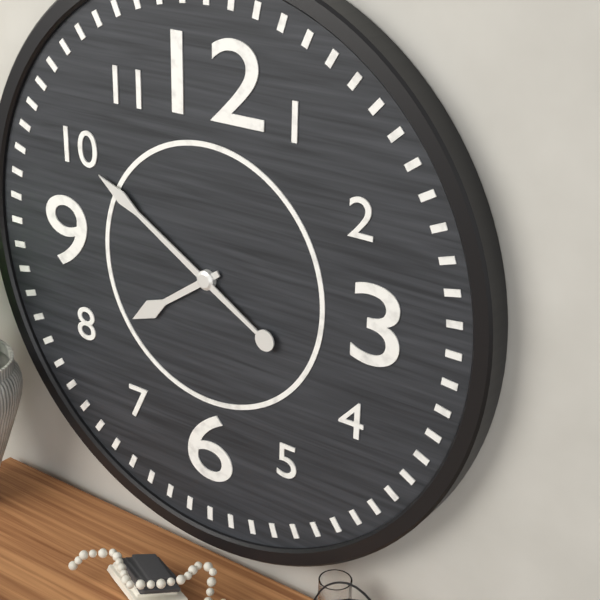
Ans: 7:50
